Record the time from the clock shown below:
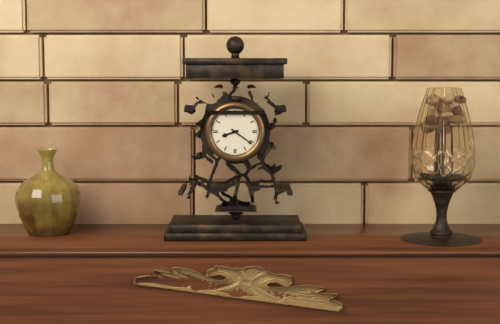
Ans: 8:21
